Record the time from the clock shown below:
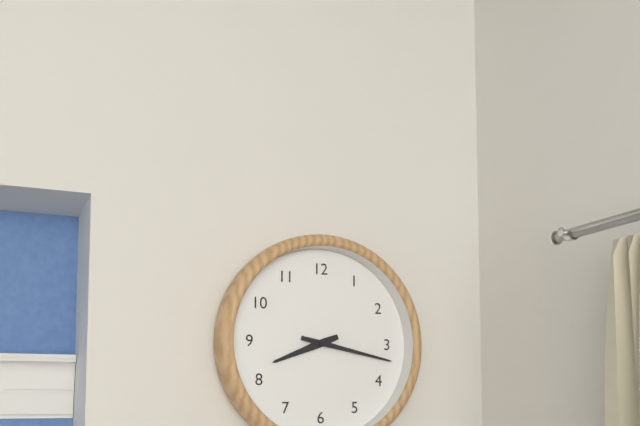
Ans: 8:17
